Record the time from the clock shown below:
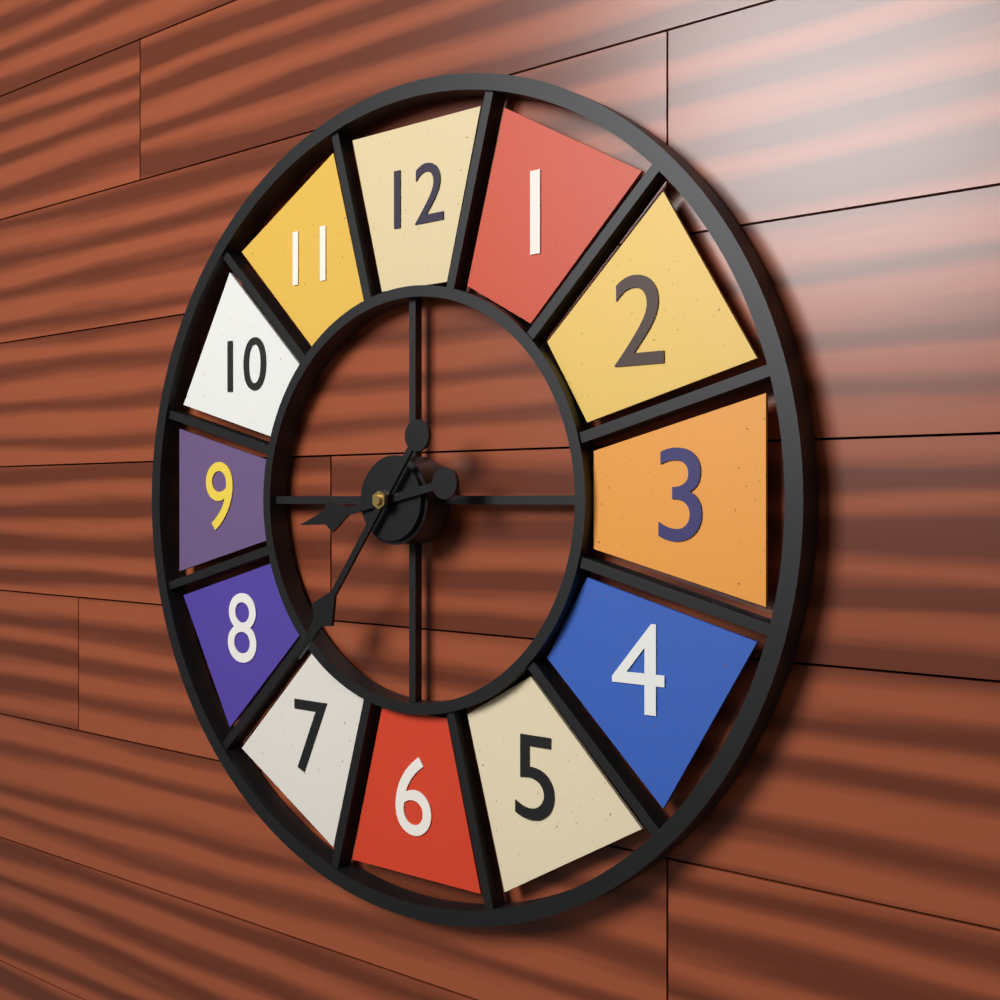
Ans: 8:36
